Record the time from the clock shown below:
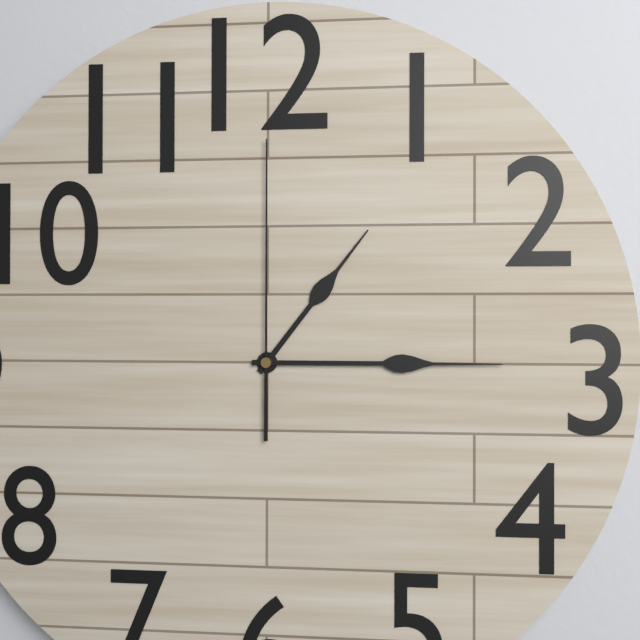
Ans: 1:15:00
